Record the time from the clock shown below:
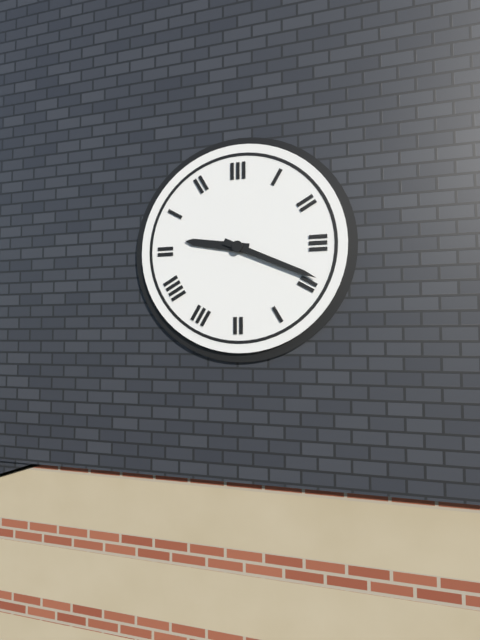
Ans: 9:19
